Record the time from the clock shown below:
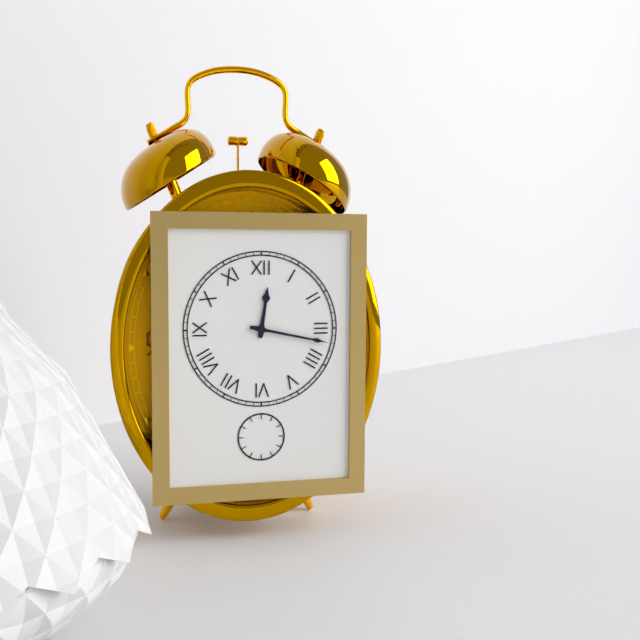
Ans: 12:17
